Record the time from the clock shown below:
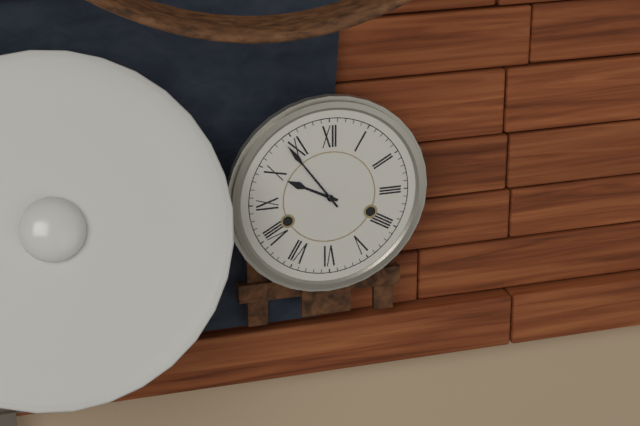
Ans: 9:54
